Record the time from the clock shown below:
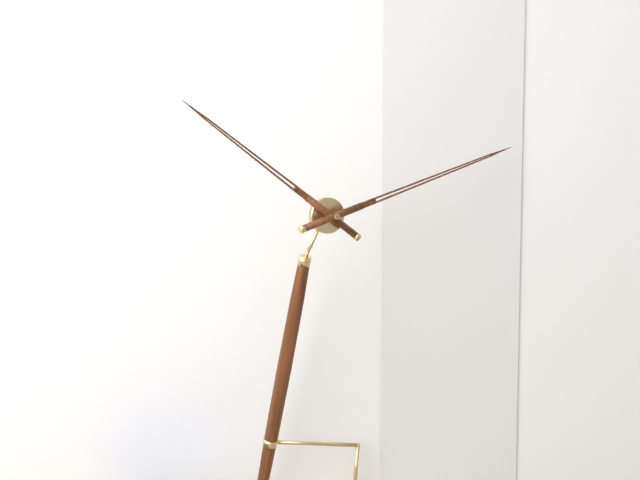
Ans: 10:12
